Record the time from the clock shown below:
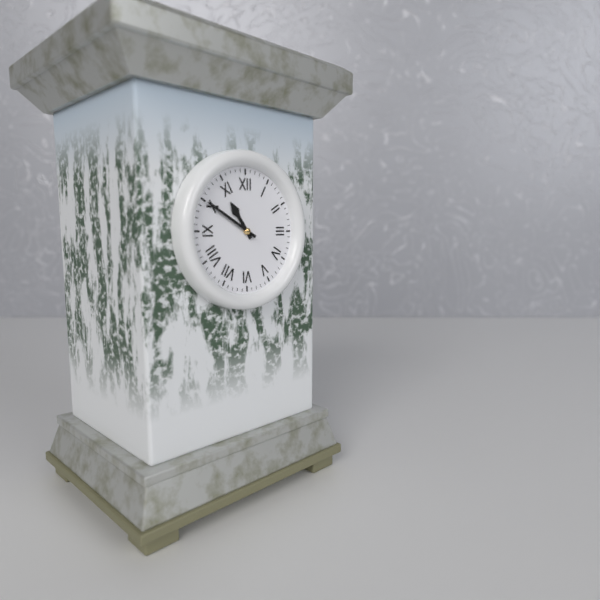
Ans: 10:50
